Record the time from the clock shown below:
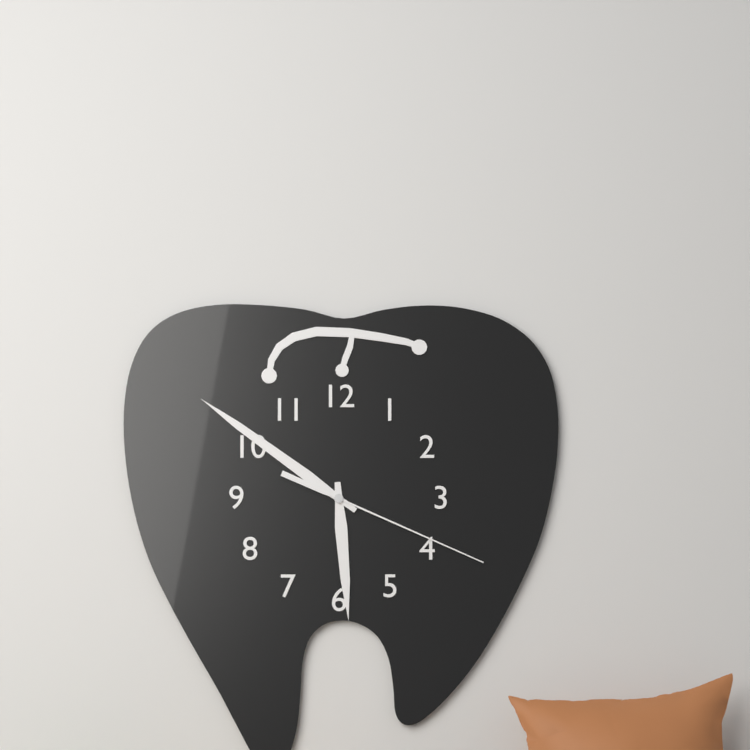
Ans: 5:51:19
